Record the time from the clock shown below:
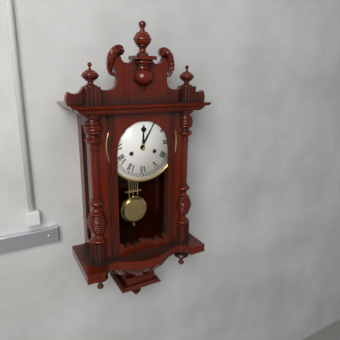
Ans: 12:05
